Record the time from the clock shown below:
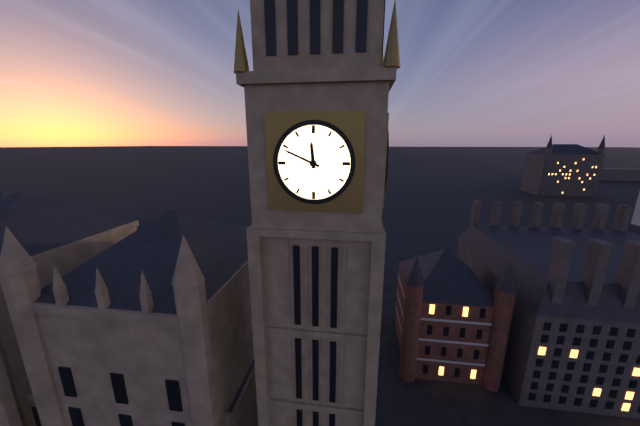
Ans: 11:49
